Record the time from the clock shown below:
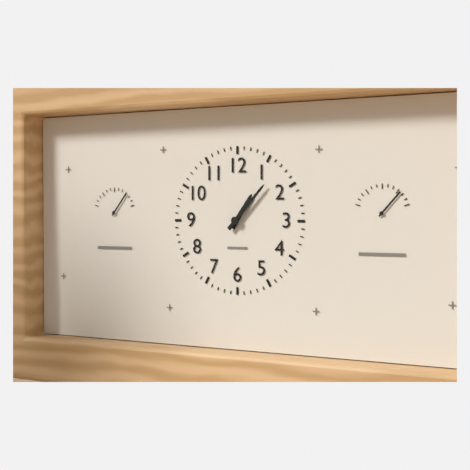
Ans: 1:07
